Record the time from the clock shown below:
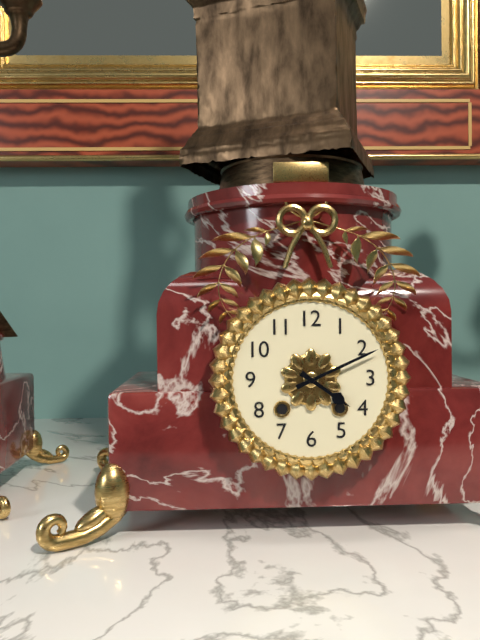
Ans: 4:11
